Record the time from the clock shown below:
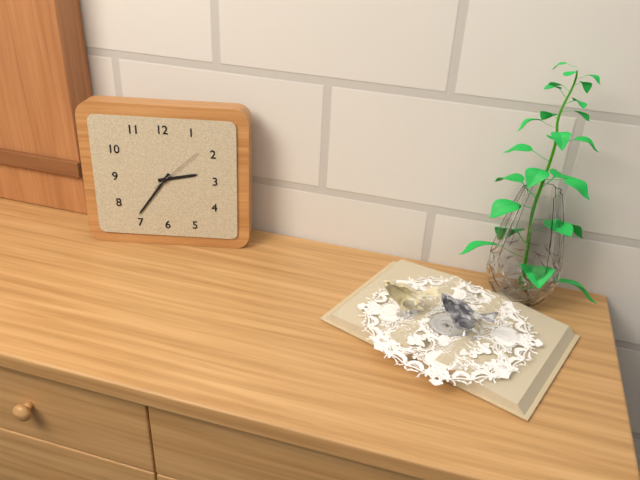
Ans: 2:36:08
